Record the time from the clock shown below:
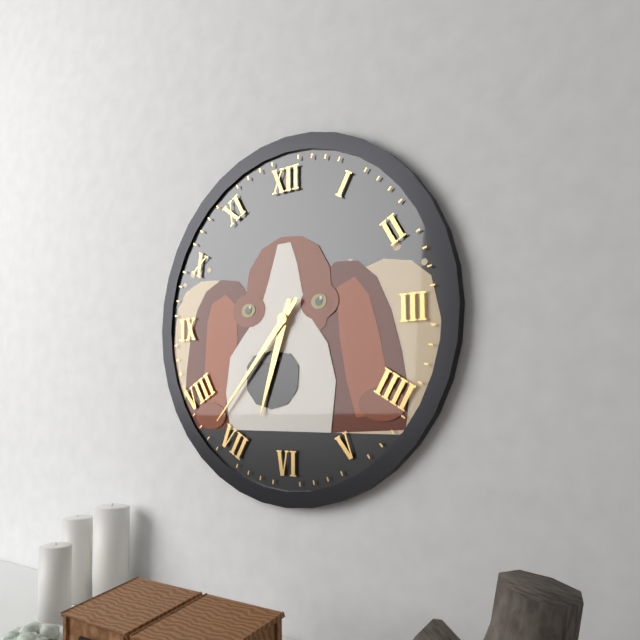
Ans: 6:37
